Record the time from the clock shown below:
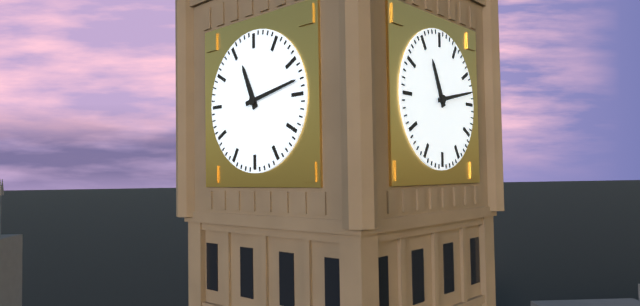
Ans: 11:13
